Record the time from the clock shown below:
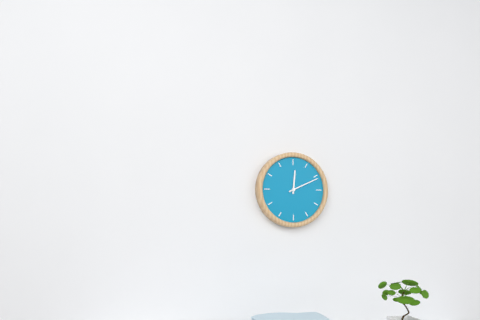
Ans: 12:11
